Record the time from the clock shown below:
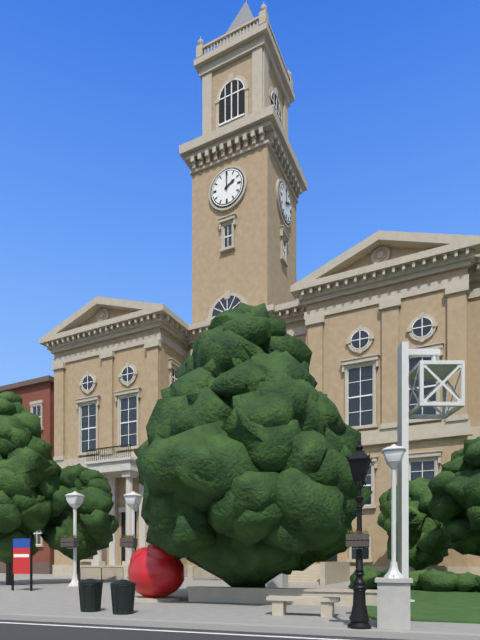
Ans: 2:00
